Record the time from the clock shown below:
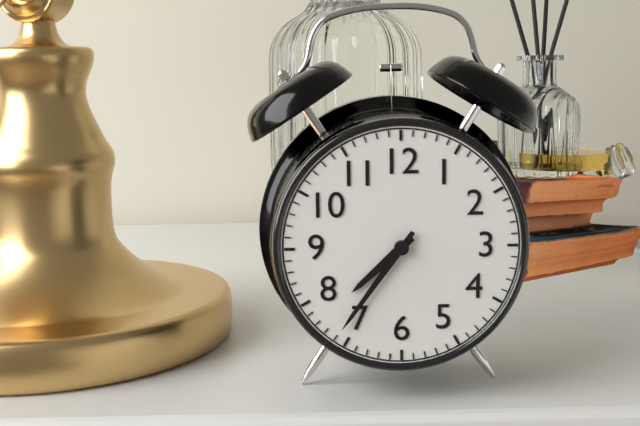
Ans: 7:36
